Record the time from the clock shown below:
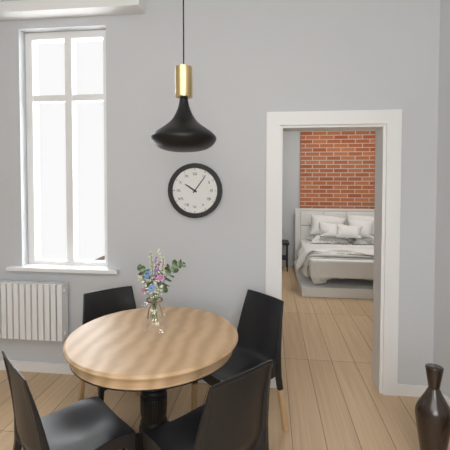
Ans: 10:06
